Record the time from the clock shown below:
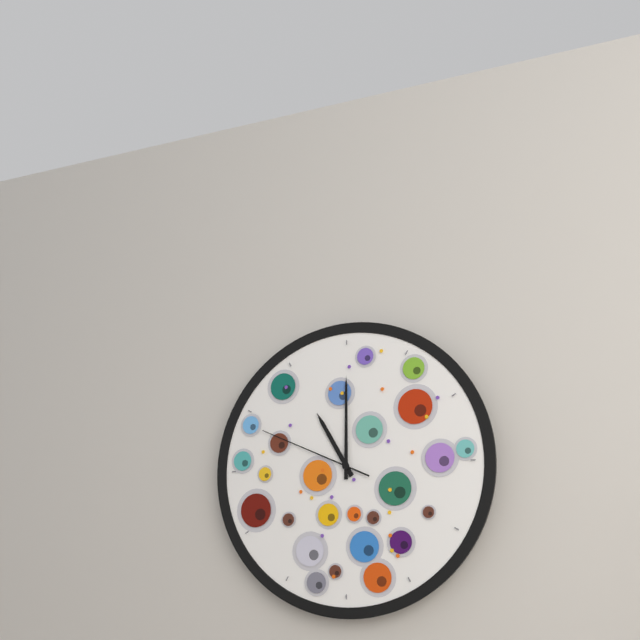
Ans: 11:00:49
